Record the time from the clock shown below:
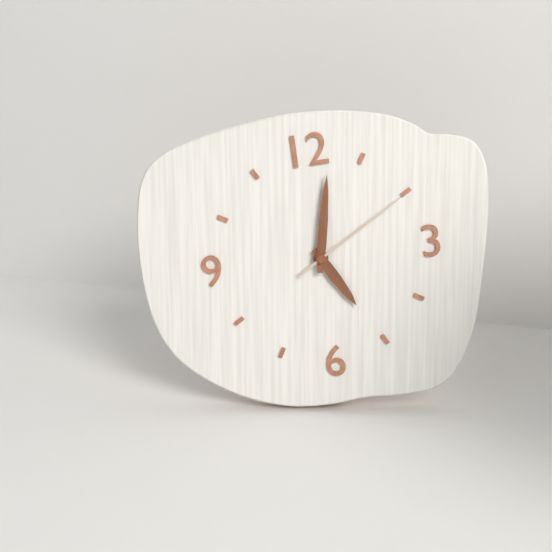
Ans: 5:02:10
